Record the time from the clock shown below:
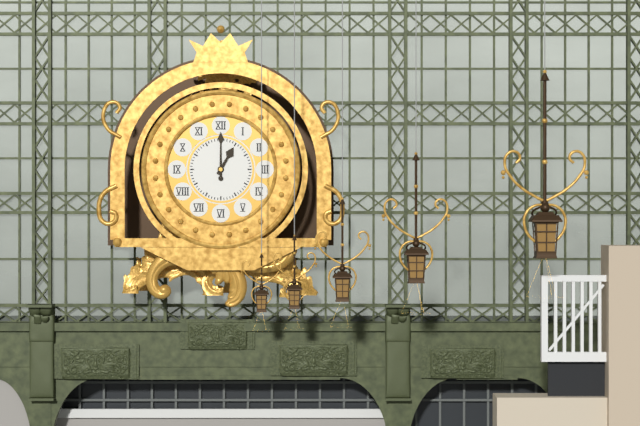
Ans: 1:00
